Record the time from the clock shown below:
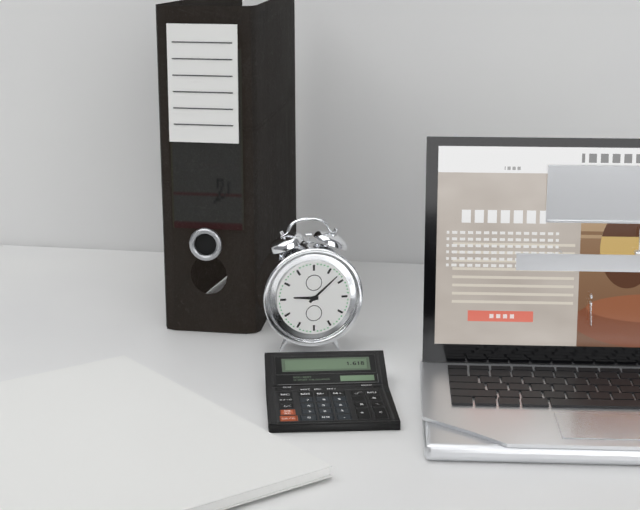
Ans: 9:08
